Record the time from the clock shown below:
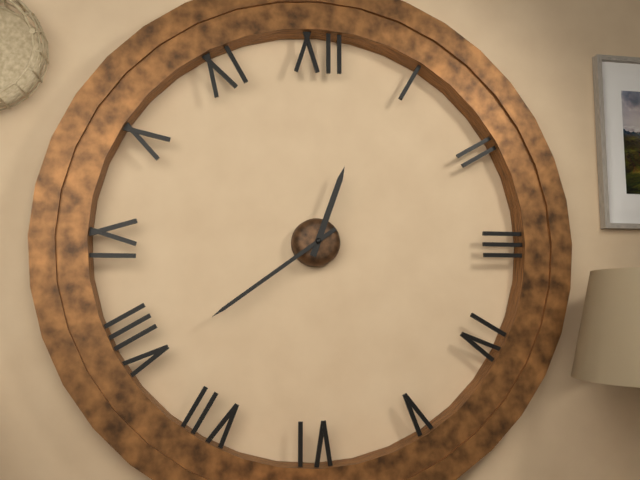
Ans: 12:39
